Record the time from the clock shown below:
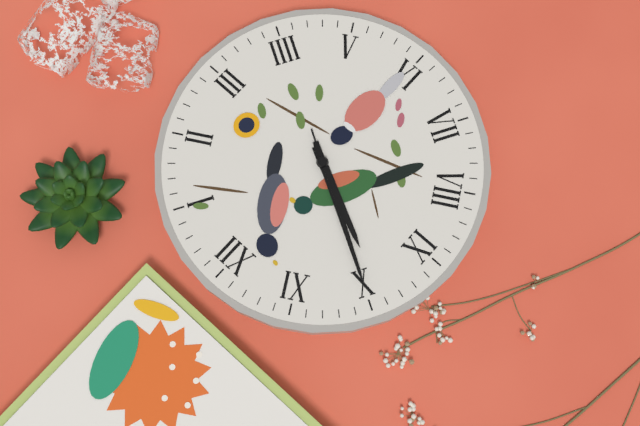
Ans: 9:50:50
